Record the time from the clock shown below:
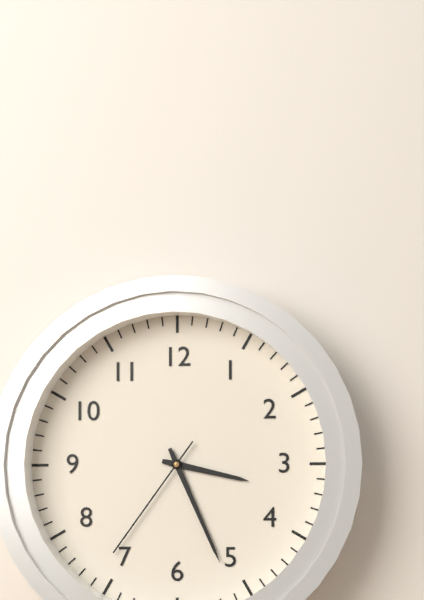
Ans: 3:26:36
